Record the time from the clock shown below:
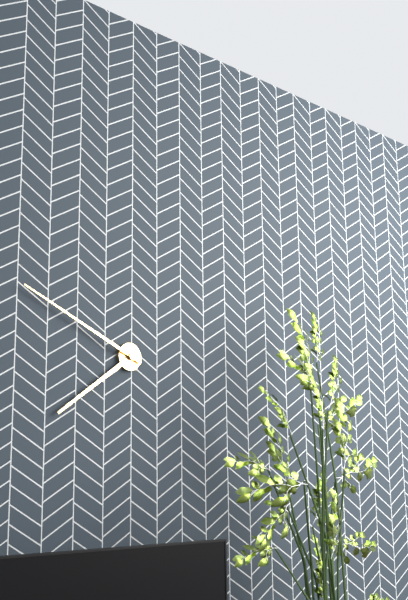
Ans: 7:49
